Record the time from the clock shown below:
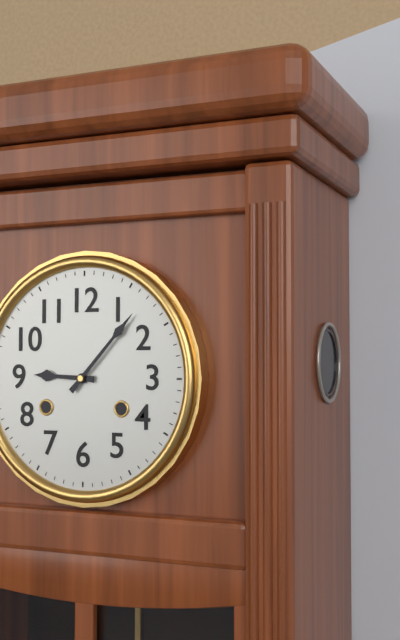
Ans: 9:07
